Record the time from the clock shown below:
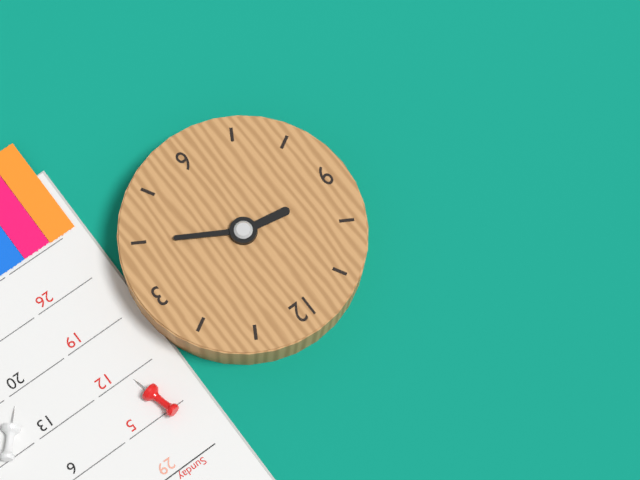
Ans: 9:20
